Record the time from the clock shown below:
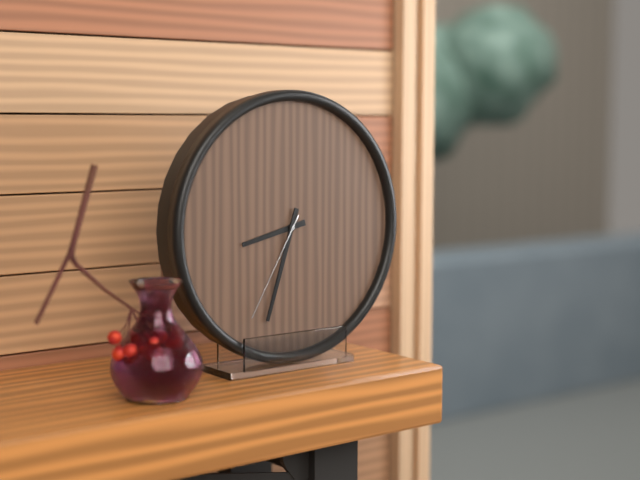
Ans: 8:33:35
